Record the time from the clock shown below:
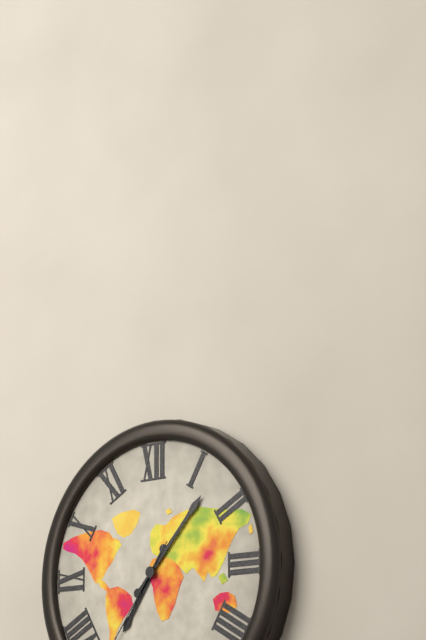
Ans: 7:07
